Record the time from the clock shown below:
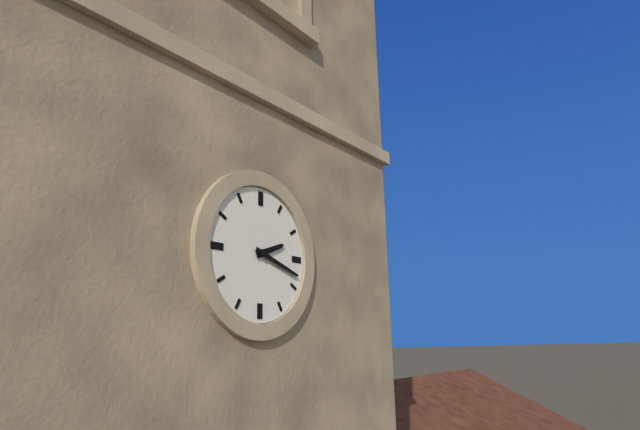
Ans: 2:18
